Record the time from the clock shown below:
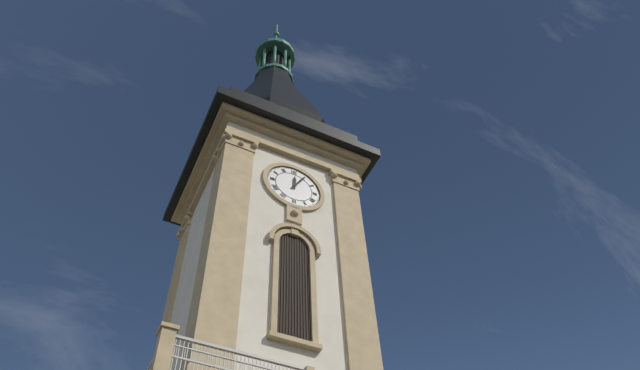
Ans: 12:05
